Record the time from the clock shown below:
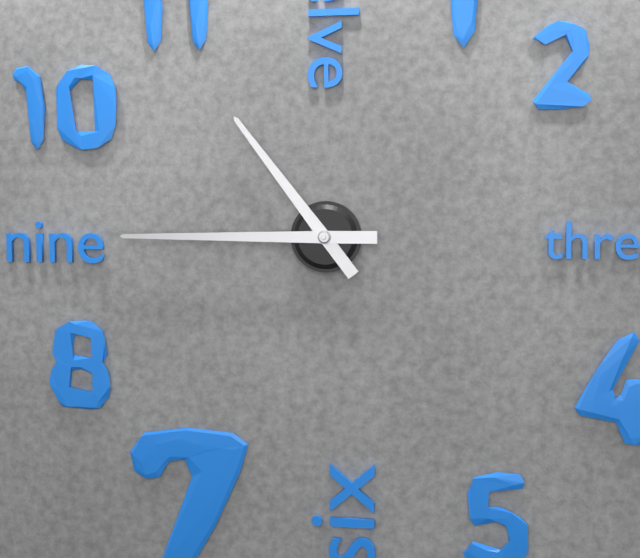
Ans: 10:45
